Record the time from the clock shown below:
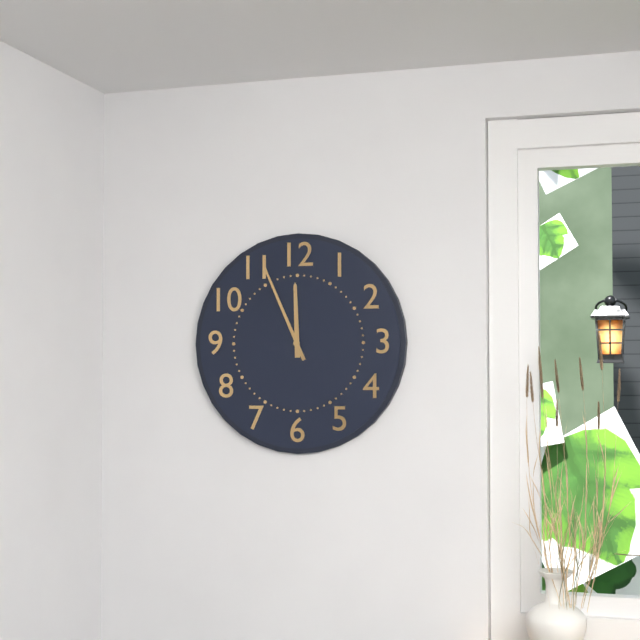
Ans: 11:56
